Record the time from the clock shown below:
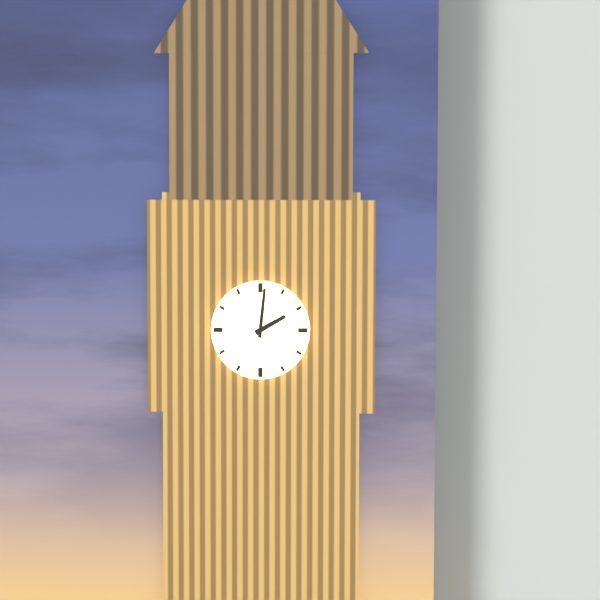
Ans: 2:01
